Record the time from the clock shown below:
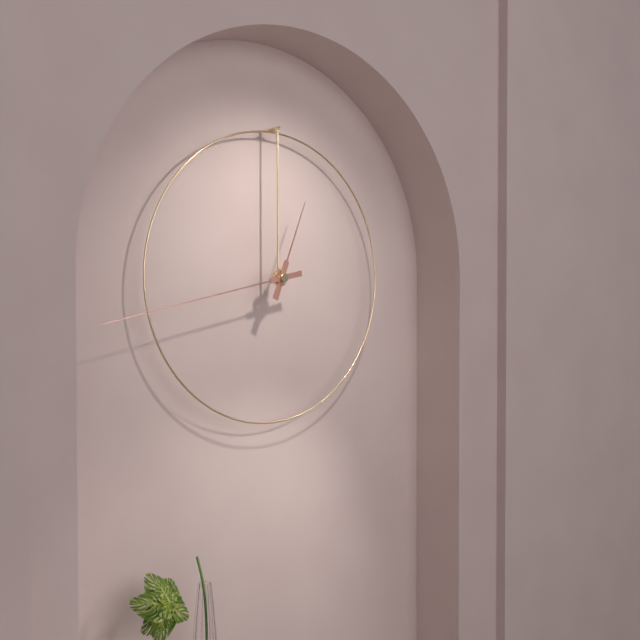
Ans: 12:43
